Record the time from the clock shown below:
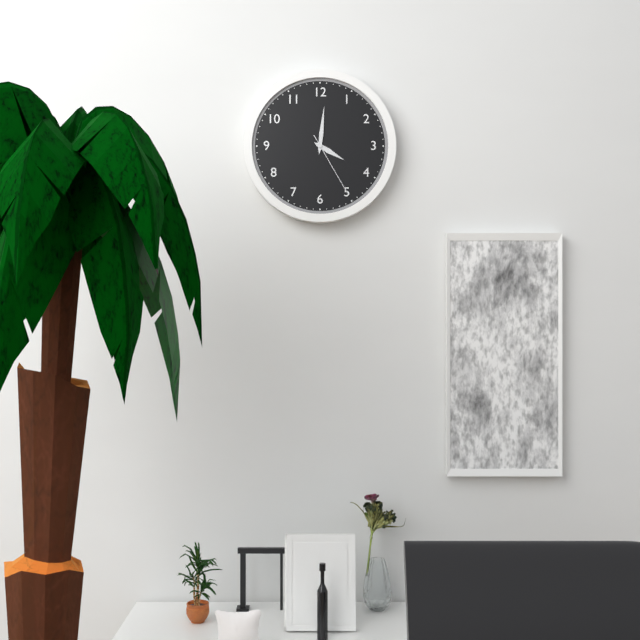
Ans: 4:01:25
